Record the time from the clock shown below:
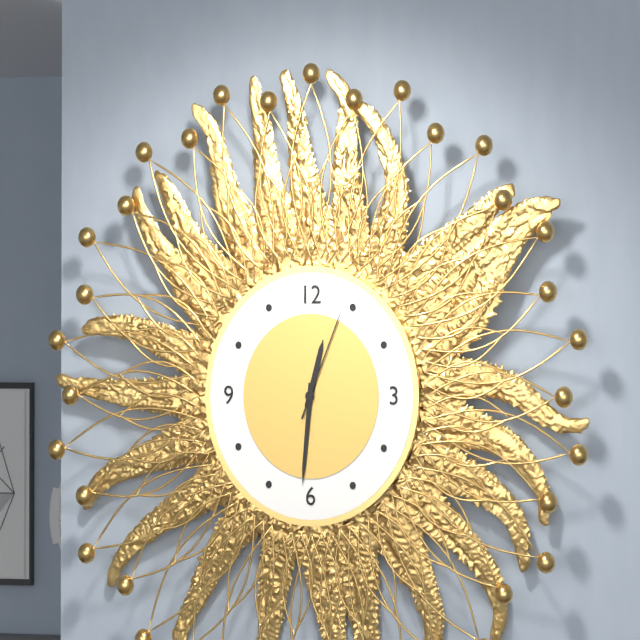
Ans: 12:31:04
